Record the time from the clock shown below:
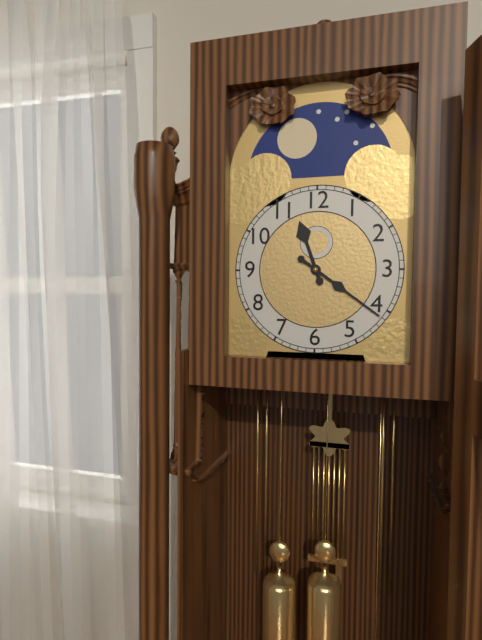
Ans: 11:21
